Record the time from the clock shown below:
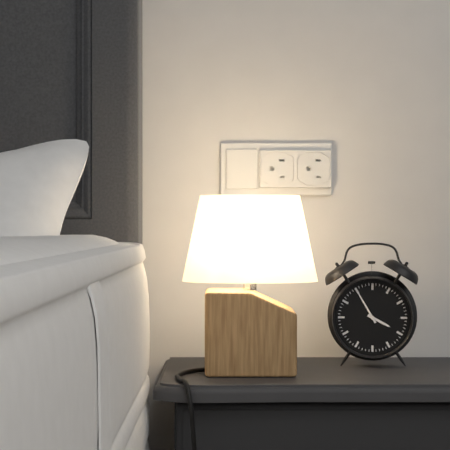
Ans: 3:55
